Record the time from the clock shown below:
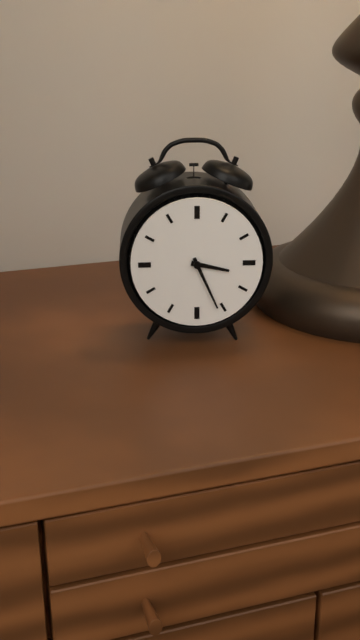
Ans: 3:26
